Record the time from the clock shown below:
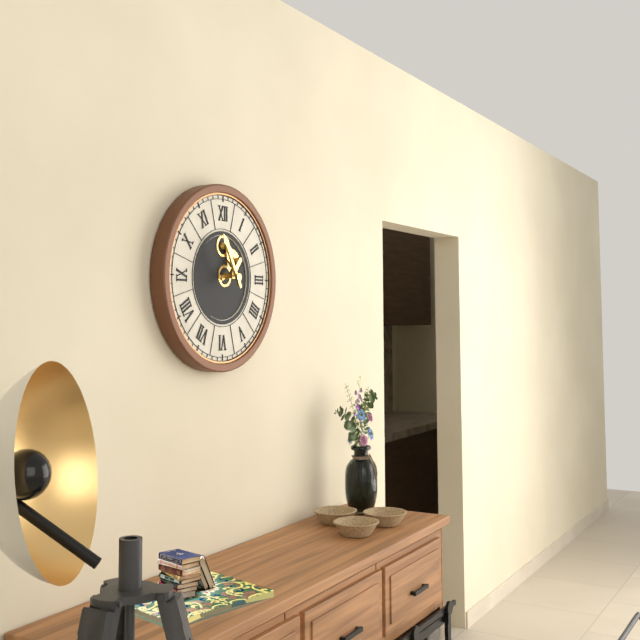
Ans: 10:55
